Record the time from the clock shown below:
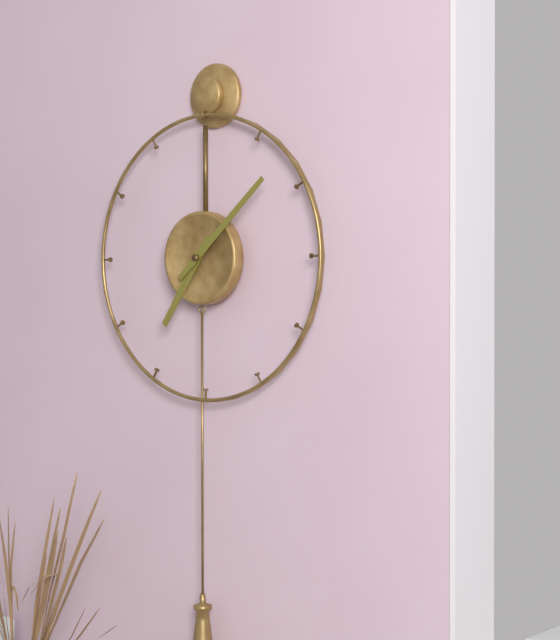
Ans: 7:08
